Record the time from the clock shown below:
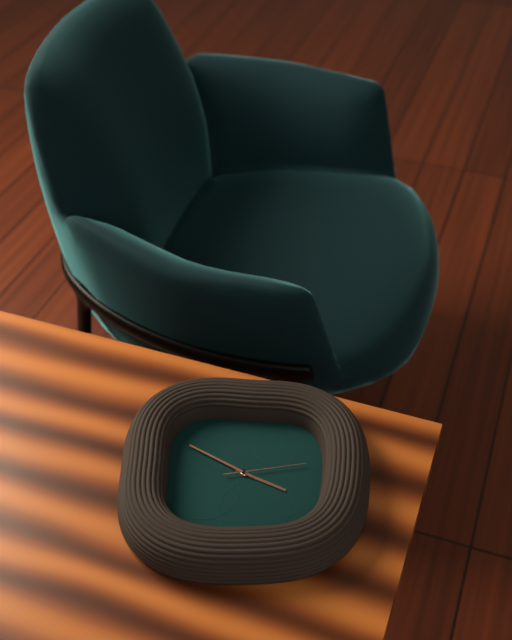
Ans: 3:50:13
